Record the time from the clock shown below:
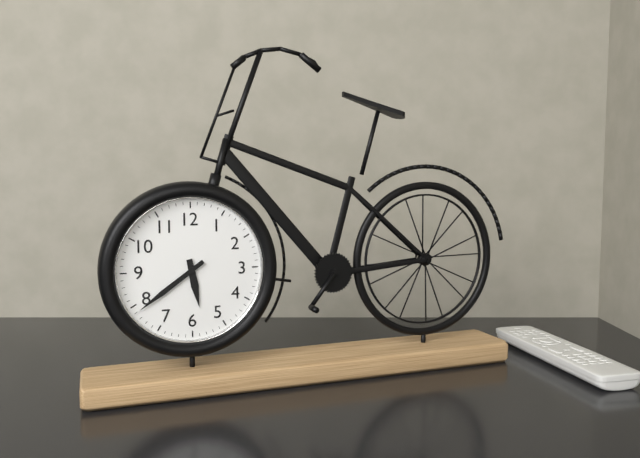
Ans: 5:39
